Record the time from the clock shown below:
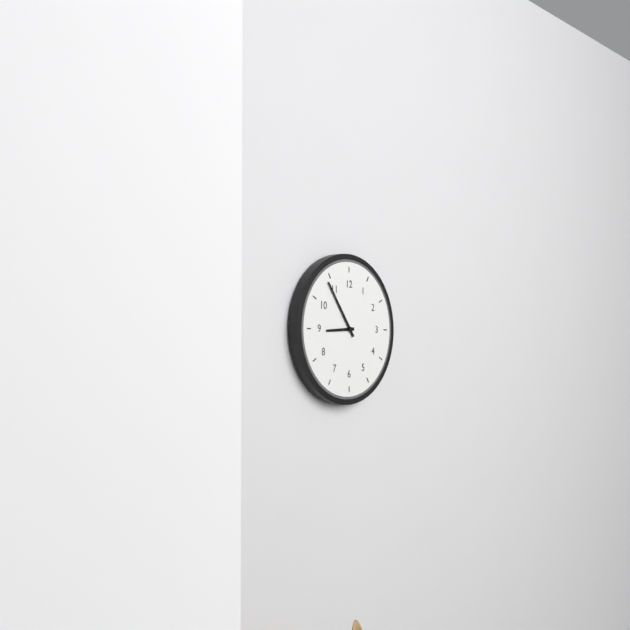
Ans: 8:54
